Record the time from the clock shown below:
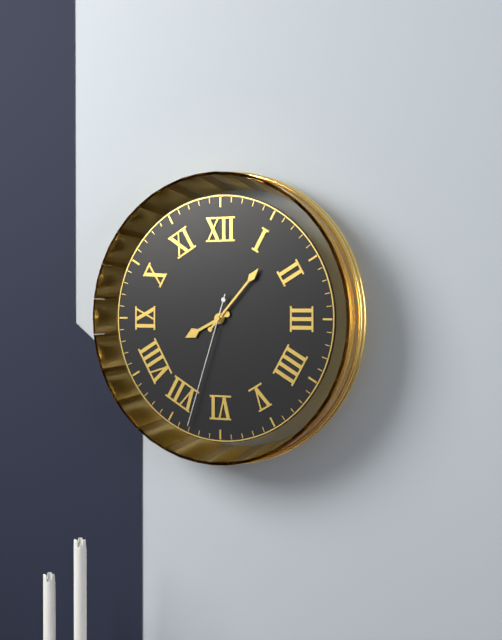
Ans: 8:07:33
